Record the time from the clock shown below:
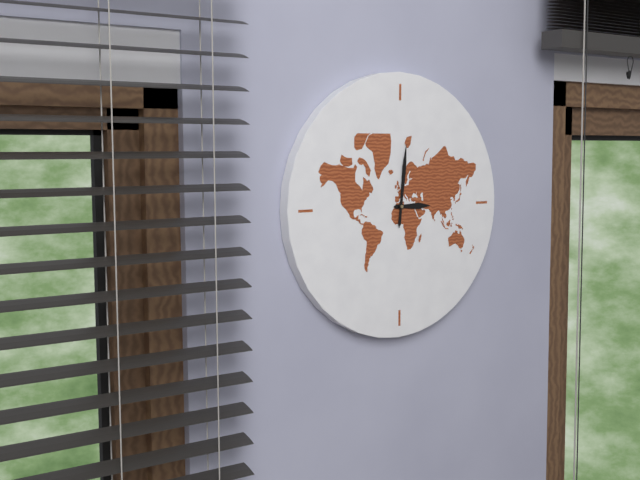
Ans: 3:01
